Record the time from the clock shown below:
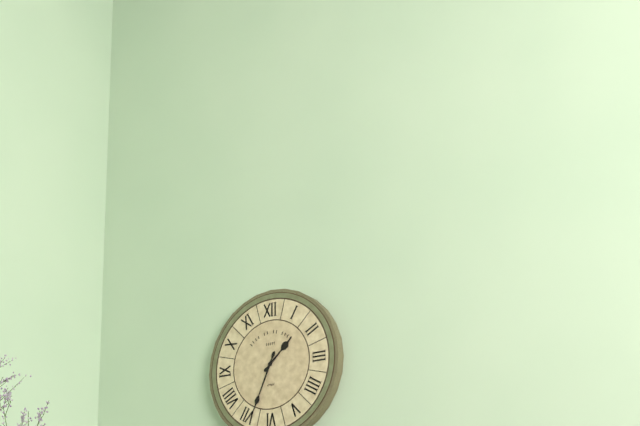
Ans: 1:34
